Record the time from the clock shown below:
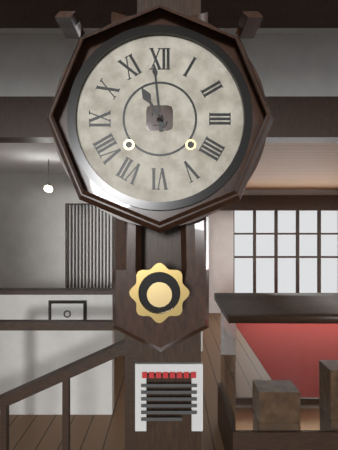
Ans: 10:59
